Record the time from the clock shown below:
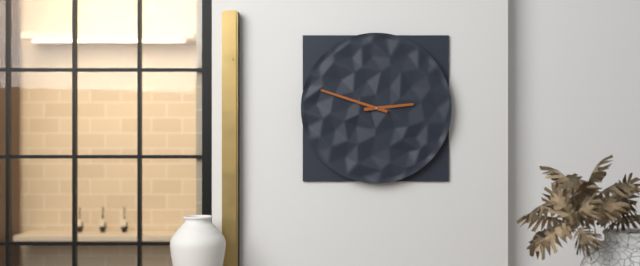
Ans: 2:48
